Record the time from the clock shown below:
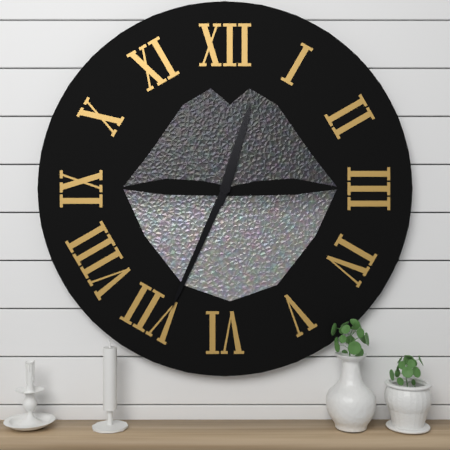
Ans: 12:34
